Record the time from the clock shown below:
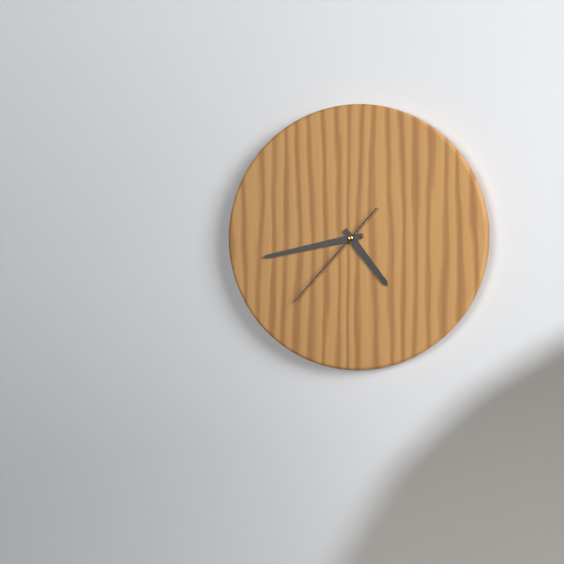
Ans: 4:43:37
